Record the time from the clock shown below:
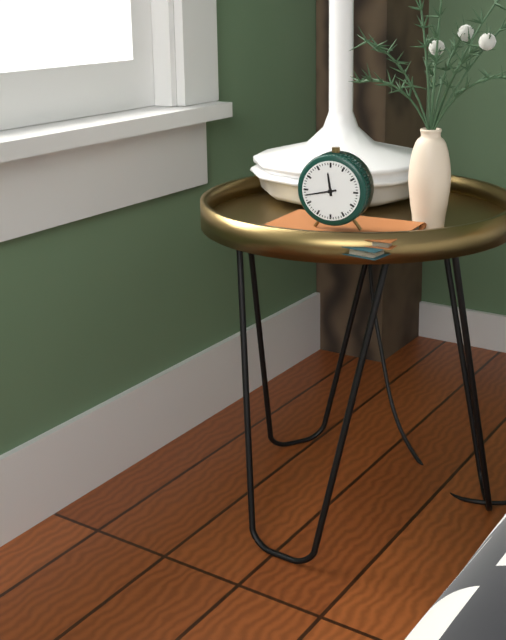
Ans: 11:43
